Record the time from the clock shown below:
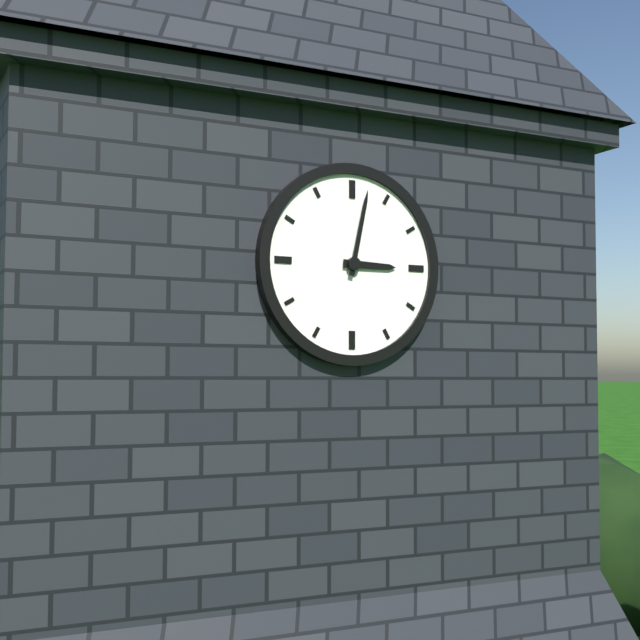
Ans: 3:02
